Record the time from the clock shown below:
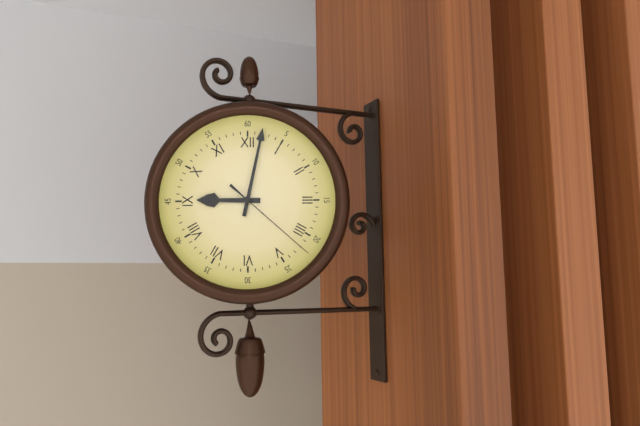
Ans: 9:02:22
